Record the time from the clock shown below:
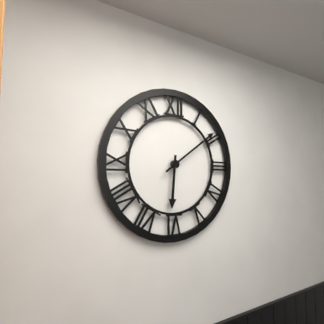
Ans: 6:09
